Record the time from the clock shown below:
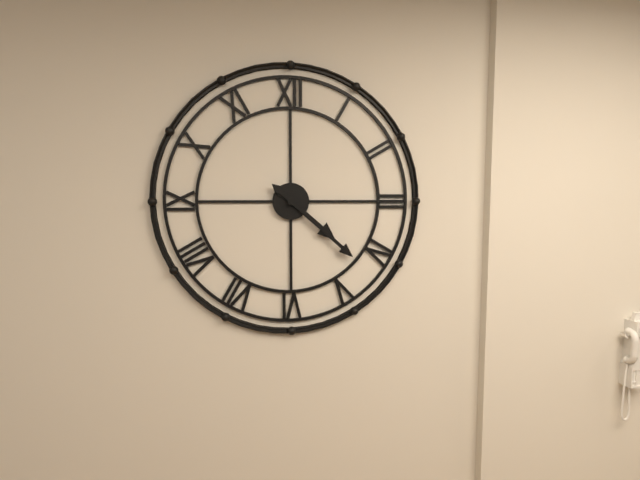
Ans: 4:22
